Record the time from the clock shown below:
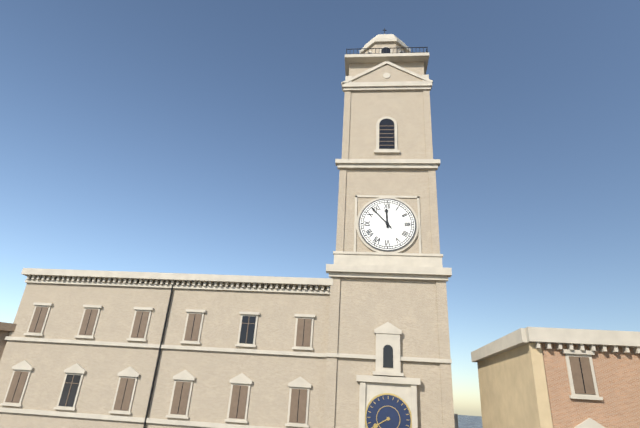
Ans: 11:53
